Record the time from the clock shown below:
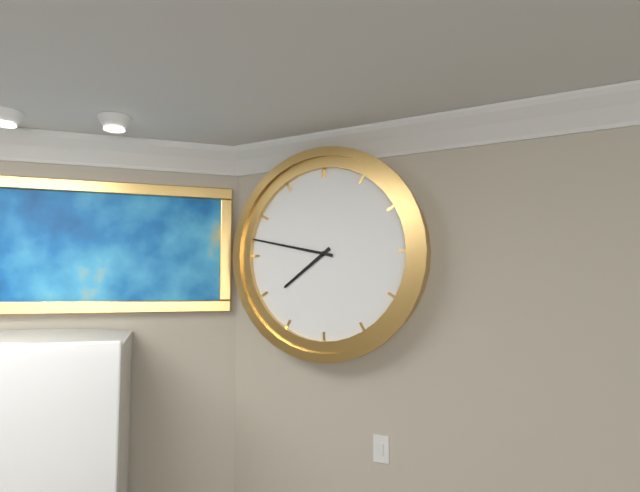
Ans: 7:47
